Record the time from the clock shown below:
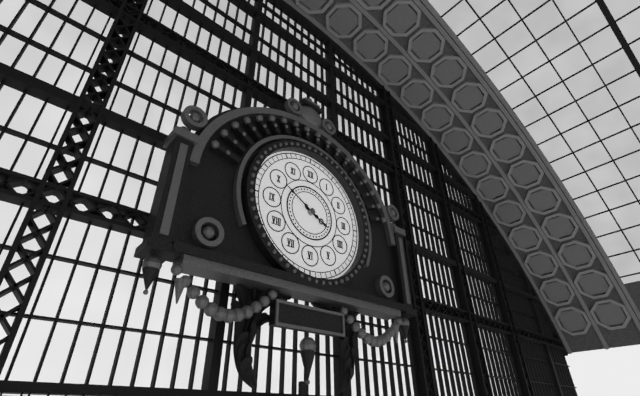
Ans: 3:50
